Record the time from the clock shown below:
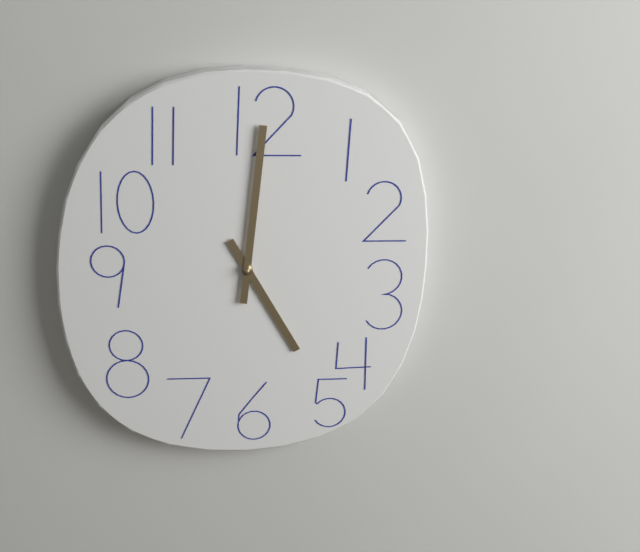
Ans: 5:01
